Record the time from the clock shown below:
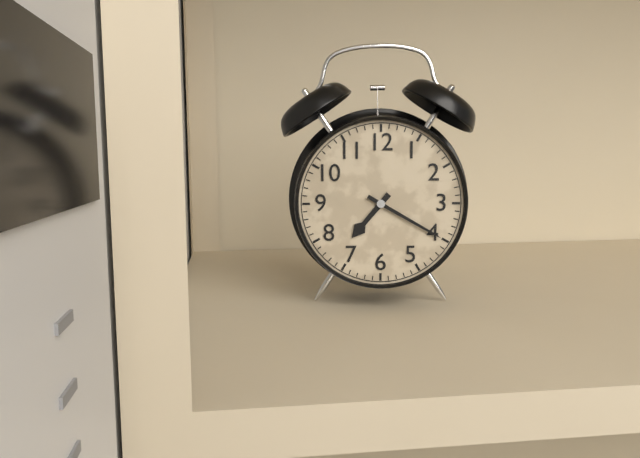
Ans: 7:20
